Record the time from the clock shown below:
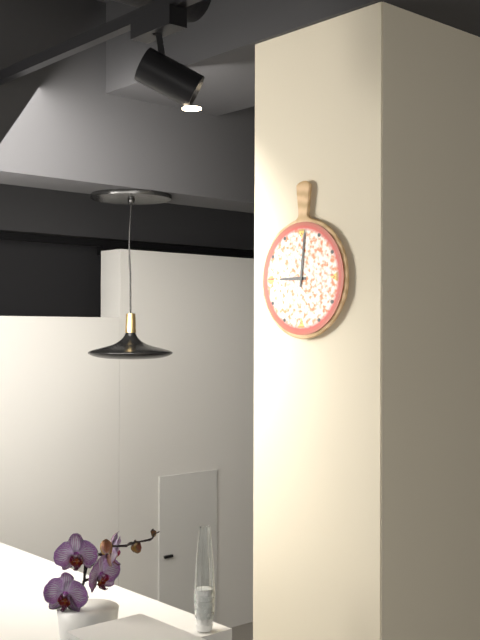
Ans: 9:01
